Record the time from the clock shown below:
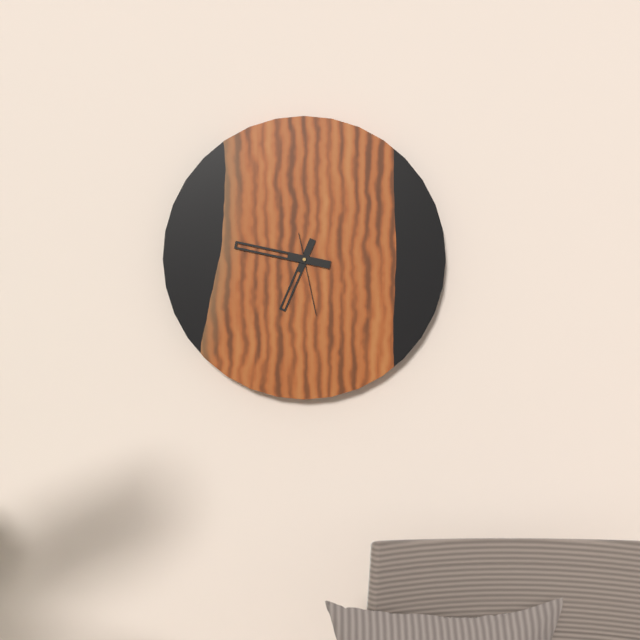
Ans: 6:47:28
